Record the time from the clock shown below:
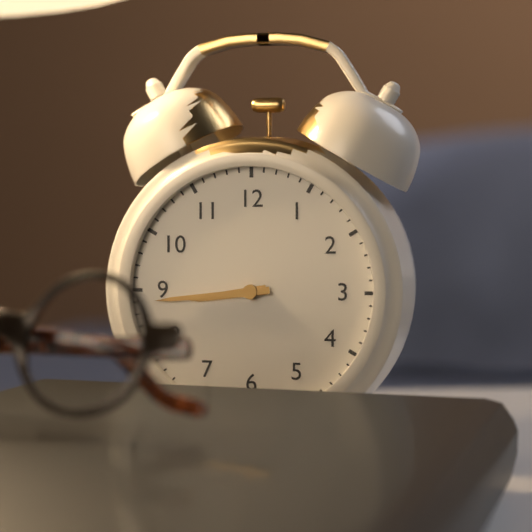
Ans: 8:44
